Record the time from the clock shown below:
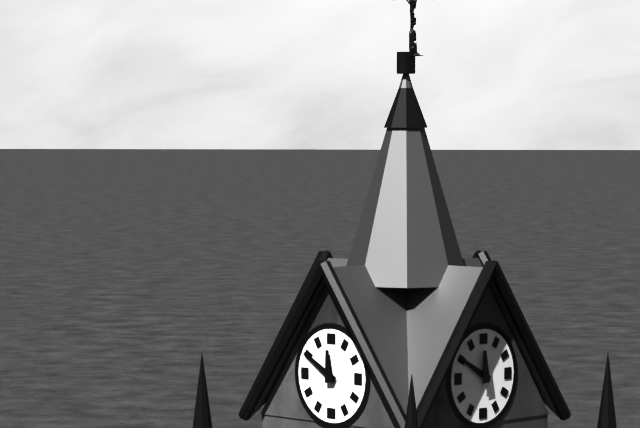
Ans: 11:50
